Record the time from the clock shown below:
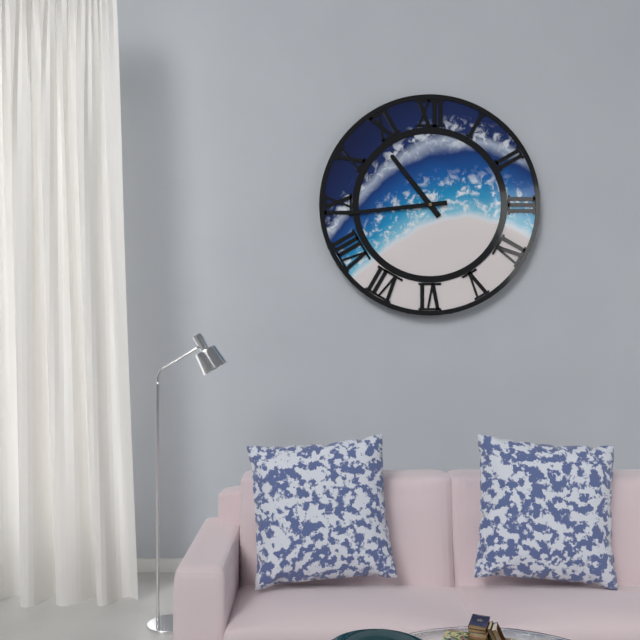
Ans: 10:44
